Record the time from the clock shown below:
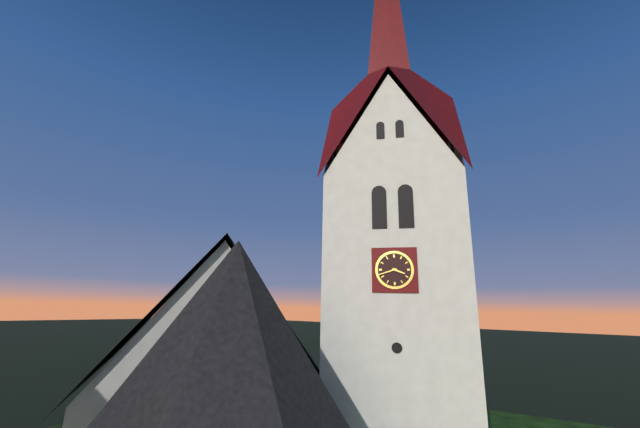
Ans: 3:42
